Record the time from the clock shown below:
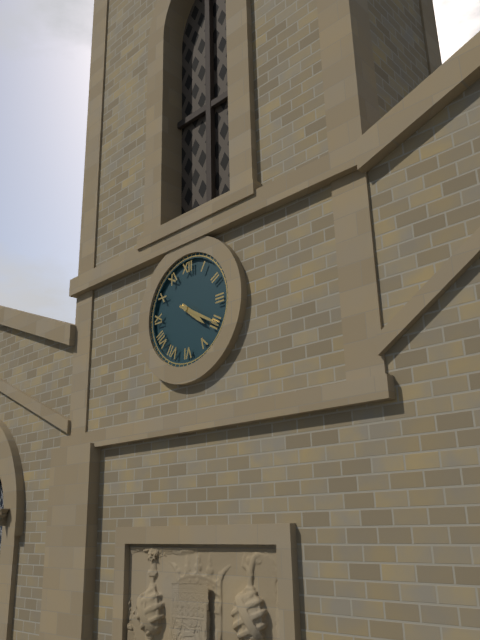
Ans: 4:20
